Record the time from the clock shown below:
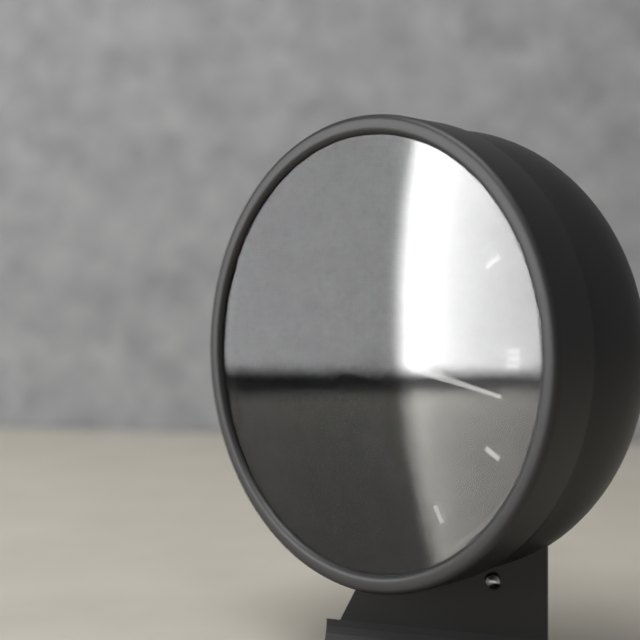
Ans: 10:17:00
